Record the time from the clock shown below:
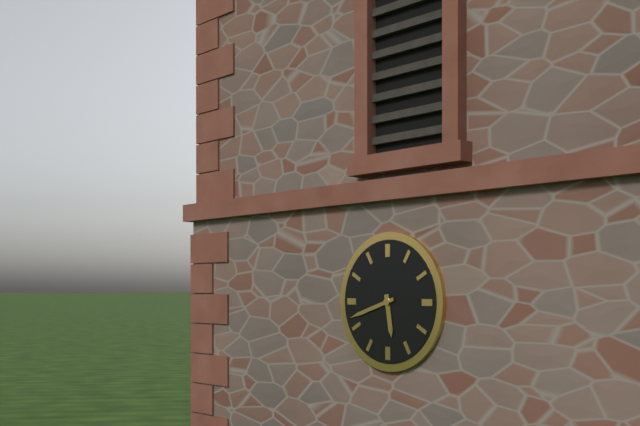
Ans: 5:42
